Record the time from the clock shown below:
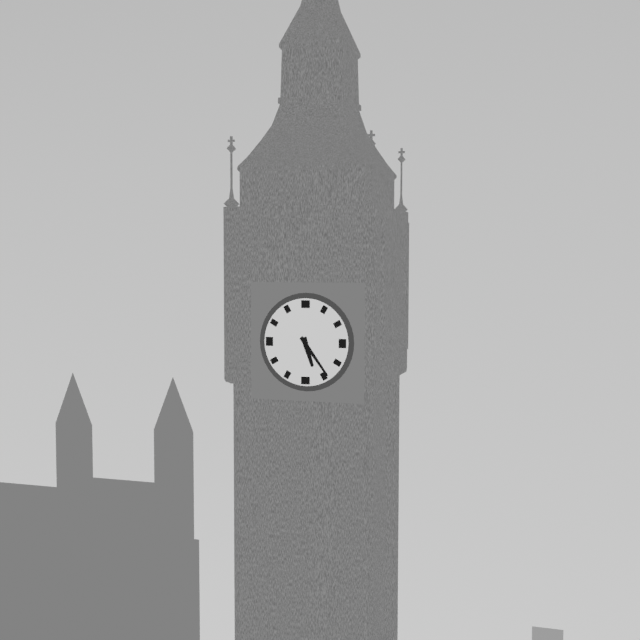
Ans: 5:24
